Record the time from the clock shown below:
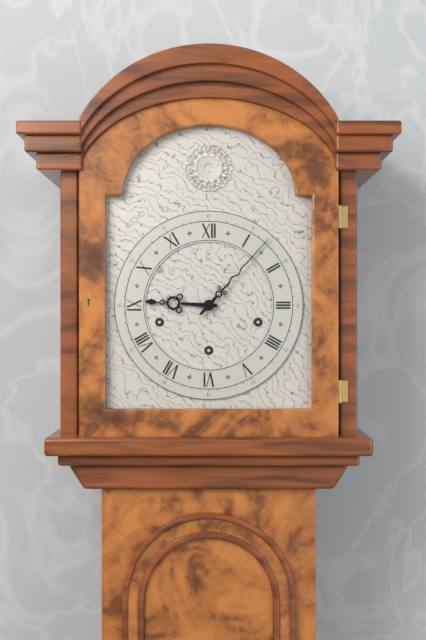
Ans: 9:07
